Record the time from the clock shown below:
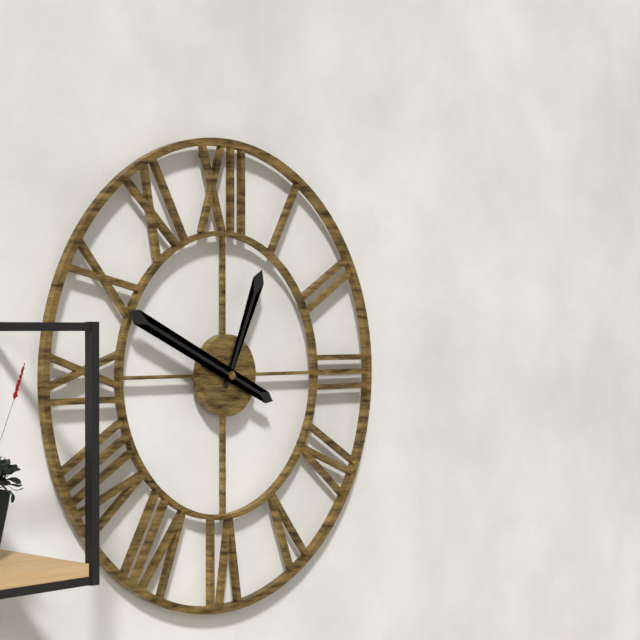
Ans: 12:49
